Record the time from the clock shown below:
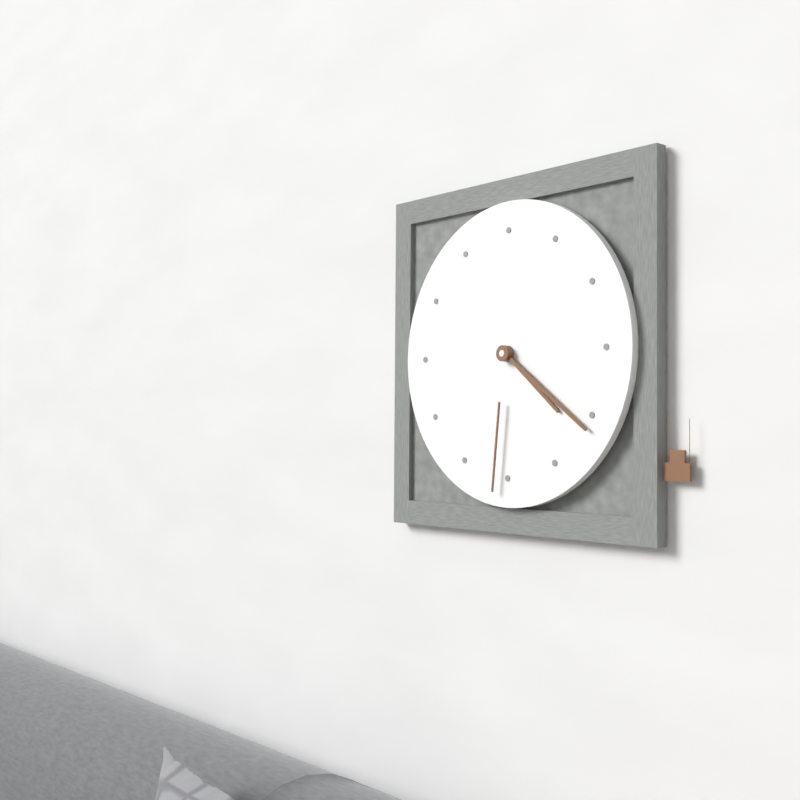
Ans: 4:21:31
